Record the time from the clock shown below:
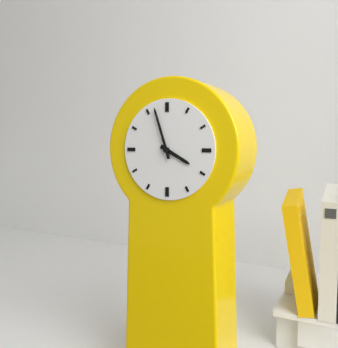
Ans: 3:57
